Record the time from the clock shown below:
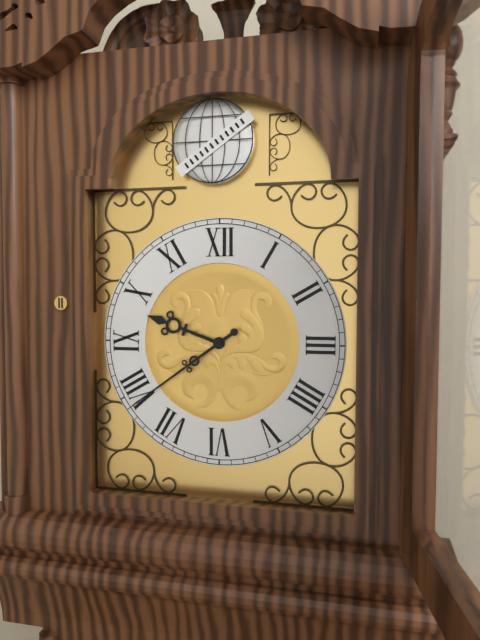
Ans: 9:39
